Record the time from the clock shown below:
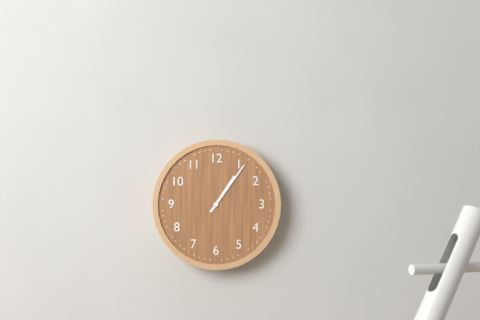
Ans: 1:06
